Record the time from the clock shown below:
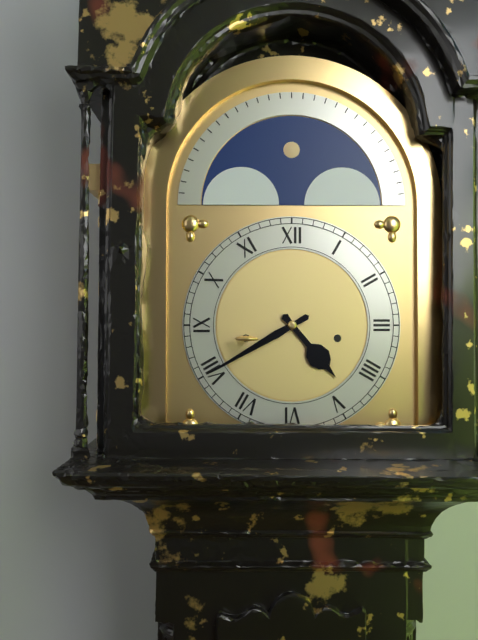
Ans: 4:40
